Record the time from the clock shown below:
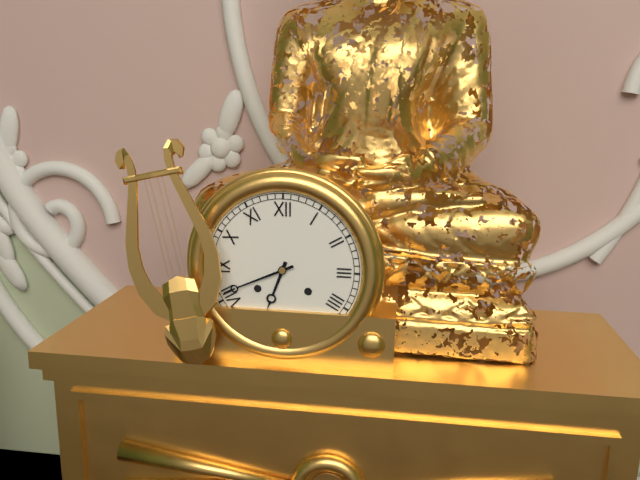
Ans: 6:41
